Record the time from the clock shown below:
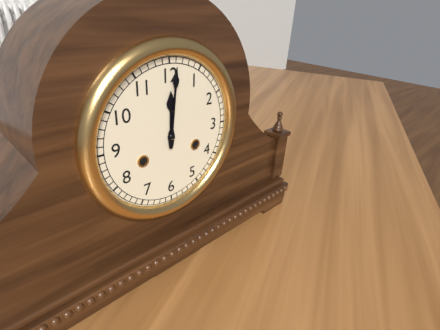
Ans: 12:01
